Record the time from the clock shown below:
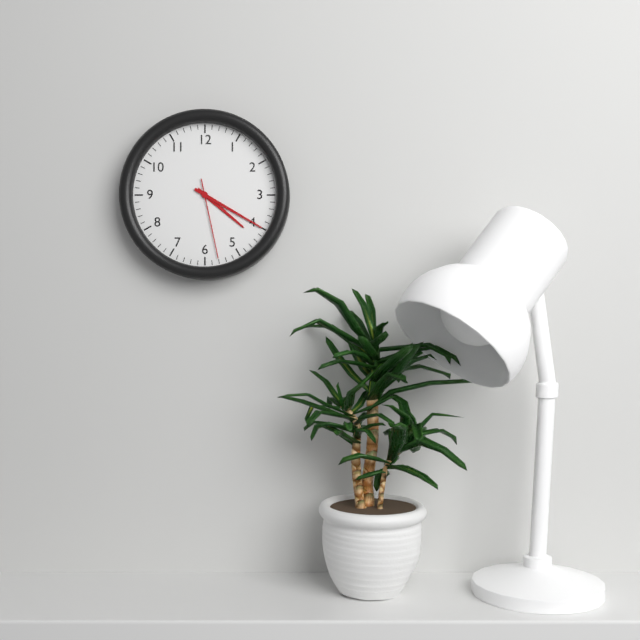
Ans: 4:20:28
